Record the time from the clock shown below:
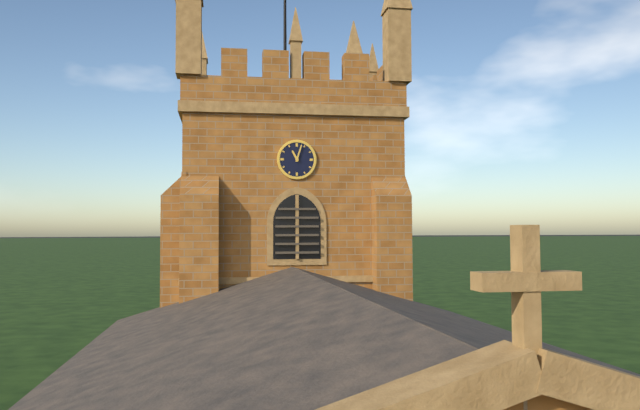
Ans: 11:03
